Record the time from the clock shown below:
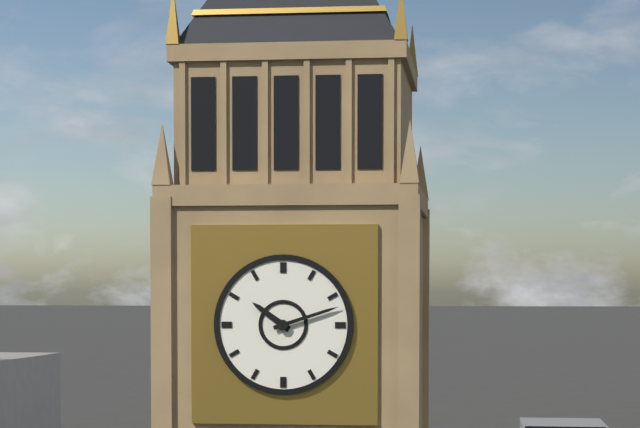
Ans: 10:12
